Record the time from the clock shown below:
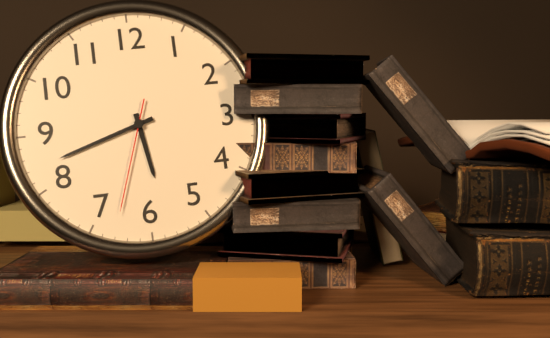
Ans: 5:42:33
